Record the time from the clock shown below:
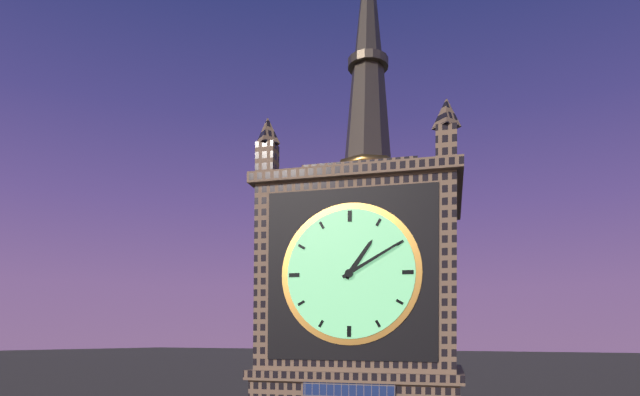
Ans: 1:10
